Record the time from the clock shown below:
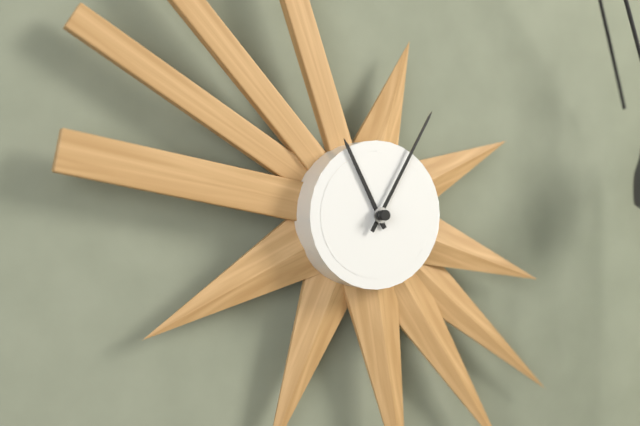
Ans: 11:05
